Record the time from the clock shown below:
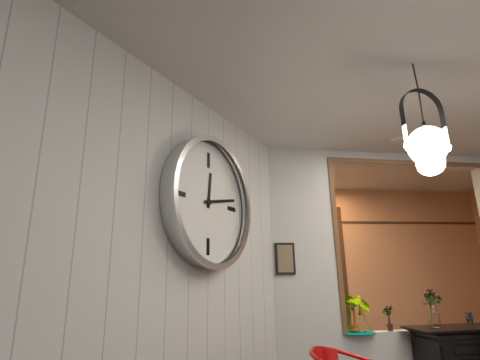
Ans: 12:13
